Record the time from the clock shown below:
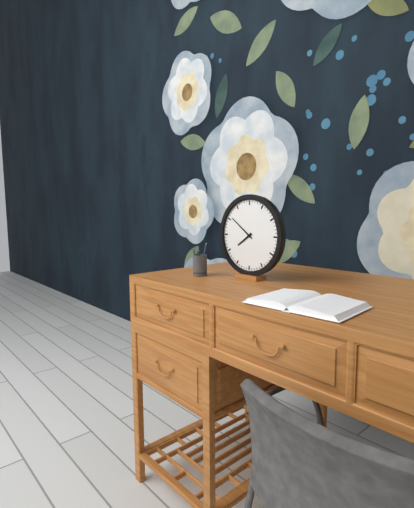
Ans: 7:51
